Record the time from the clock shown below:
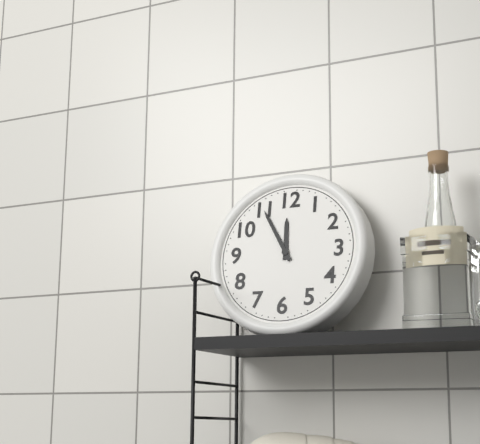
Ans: 11:55
